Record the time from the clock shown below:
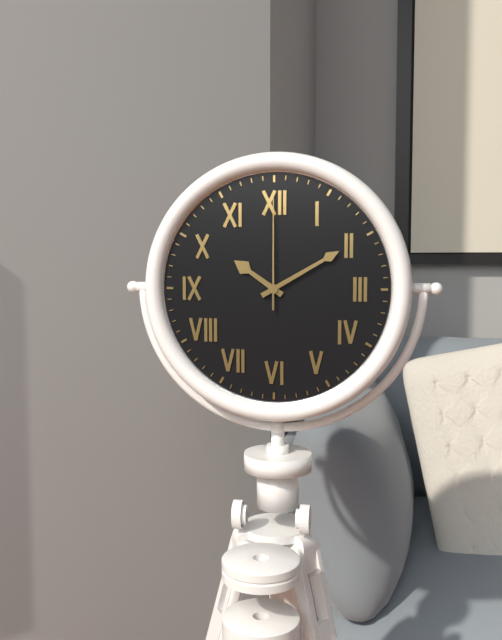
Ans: 10:10:00
